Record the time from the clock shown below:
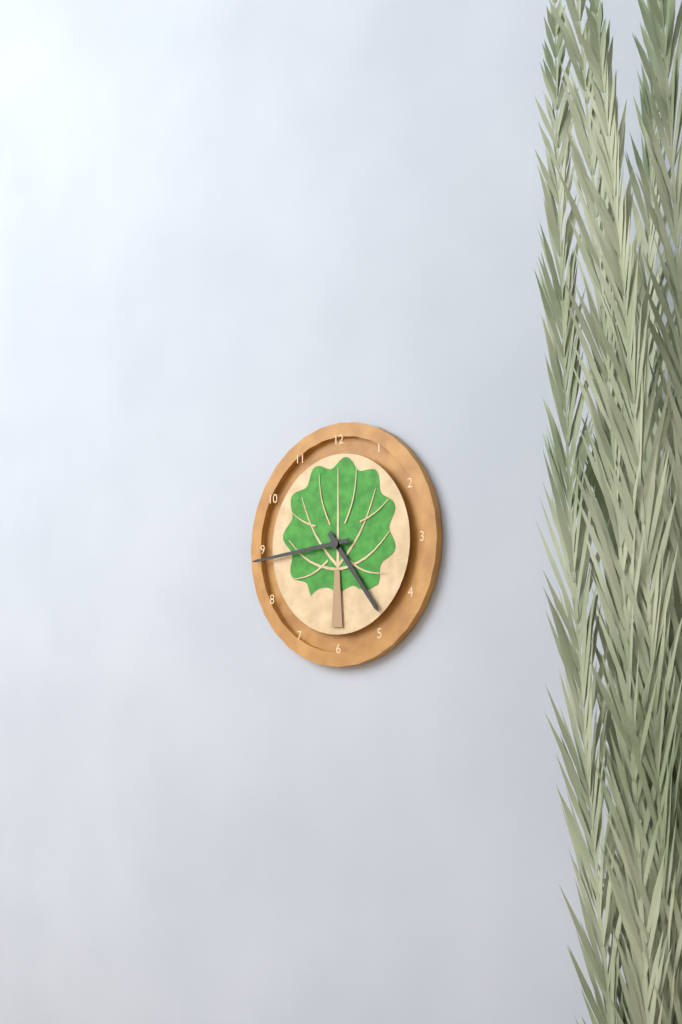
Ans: 4:44
